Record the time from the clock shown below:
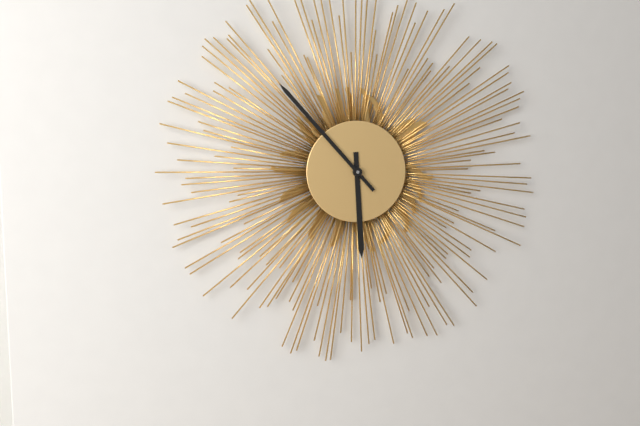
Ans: 5:53
